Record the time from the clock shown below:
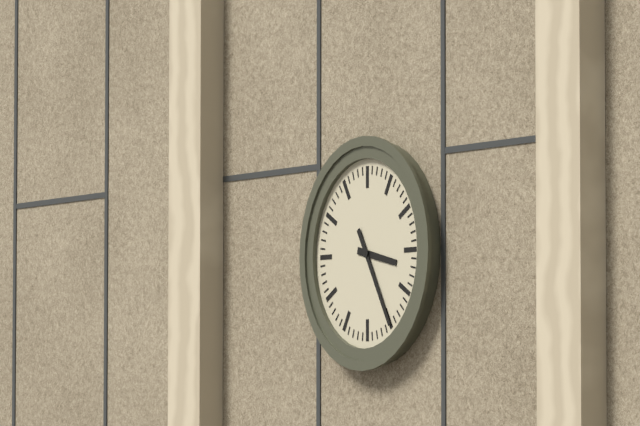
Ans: 3:25
